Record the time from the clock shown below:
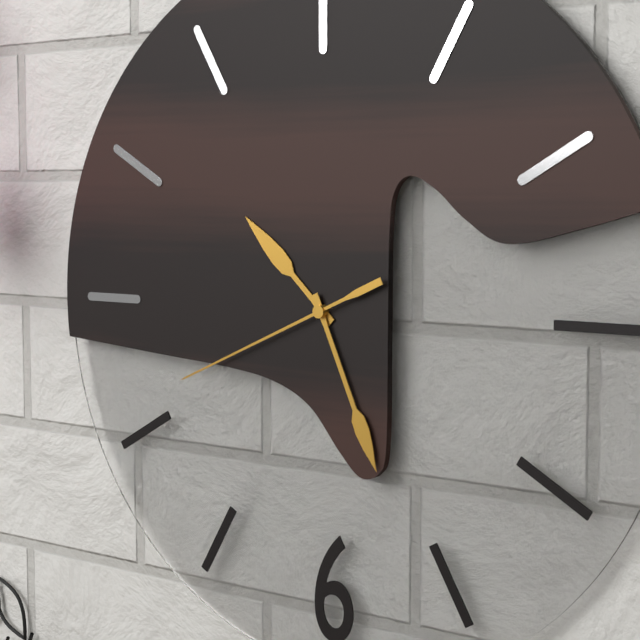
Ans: 10:26:41
